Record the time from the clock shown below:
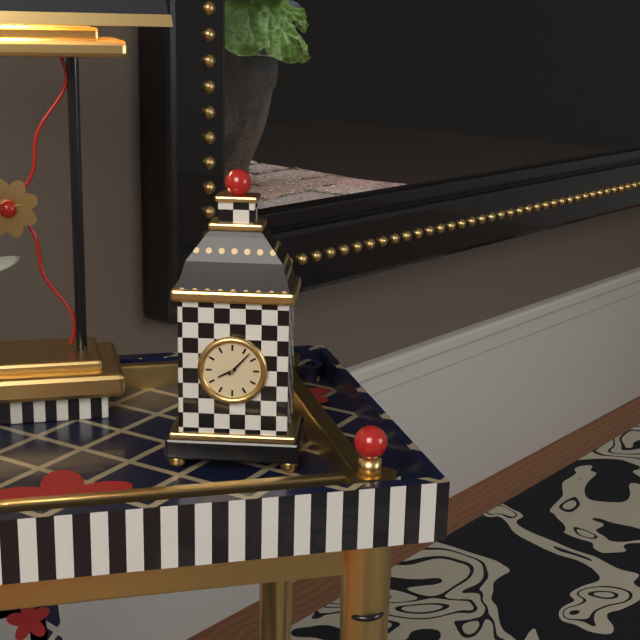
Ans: 8:07
